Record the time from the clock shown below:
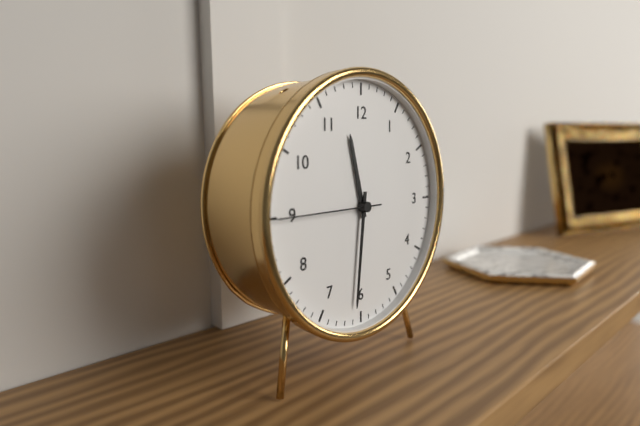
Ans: 11:31:45
